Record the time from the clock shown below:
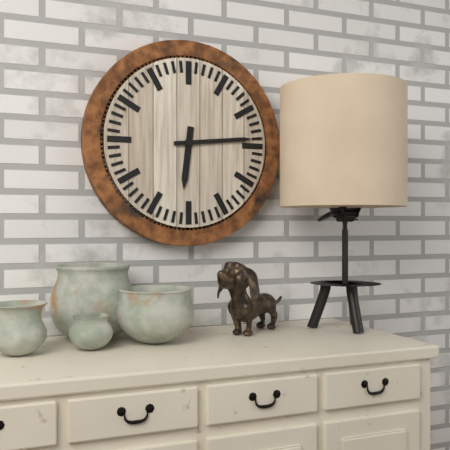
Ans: 6:14
